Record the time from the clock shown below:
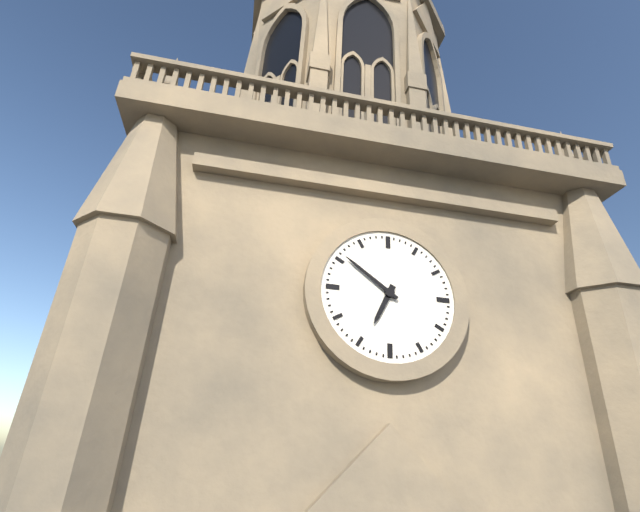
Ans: 6:51
